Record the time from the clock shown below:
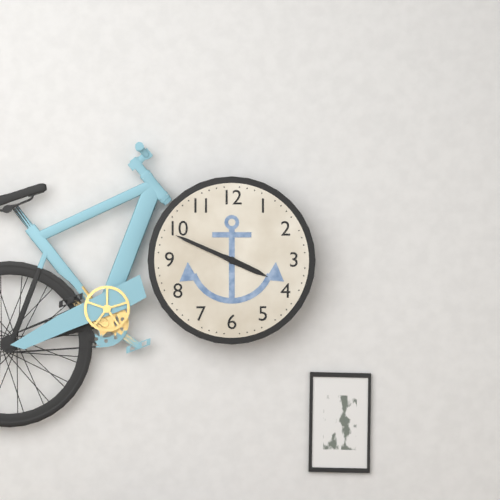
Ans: 3:49
